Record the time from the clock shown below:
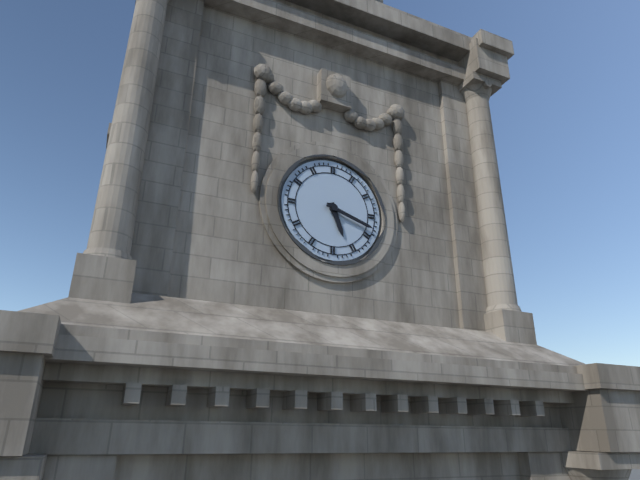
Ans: 5:18
